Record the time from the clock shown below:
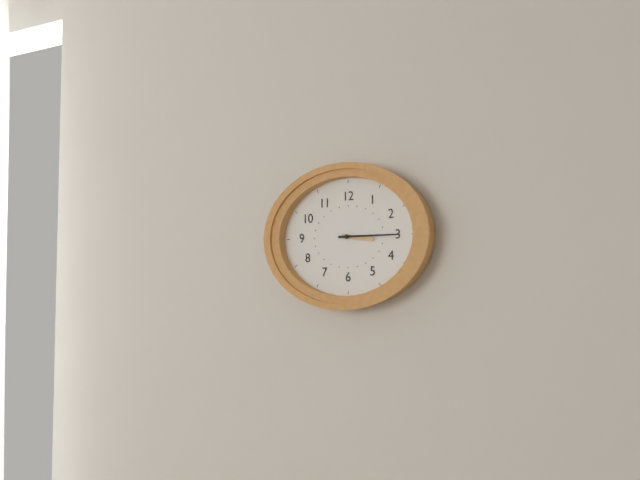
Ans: 3:15
